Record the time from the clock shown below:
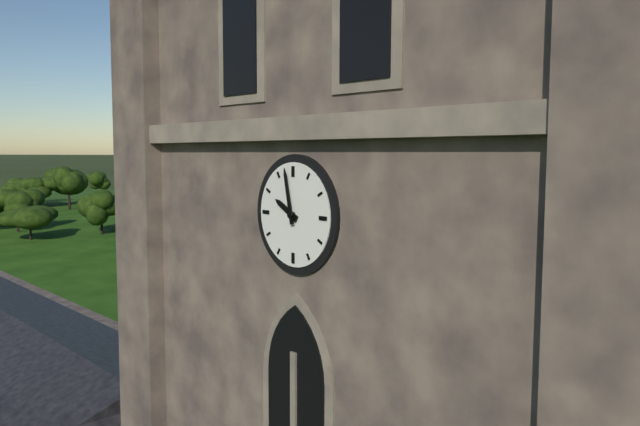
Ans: 9:58
